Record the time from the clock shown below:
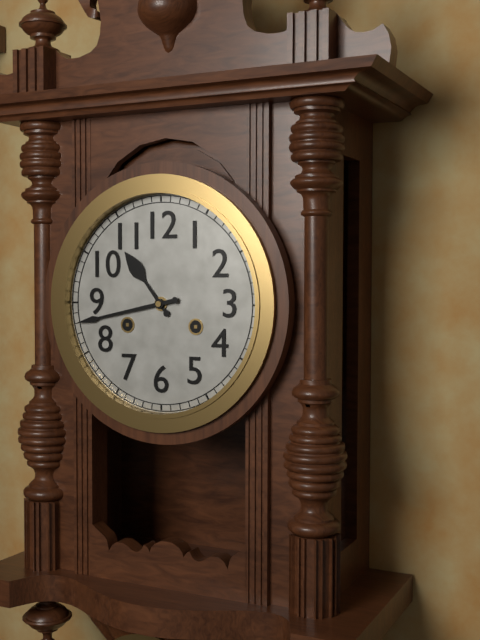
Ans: 10:43
